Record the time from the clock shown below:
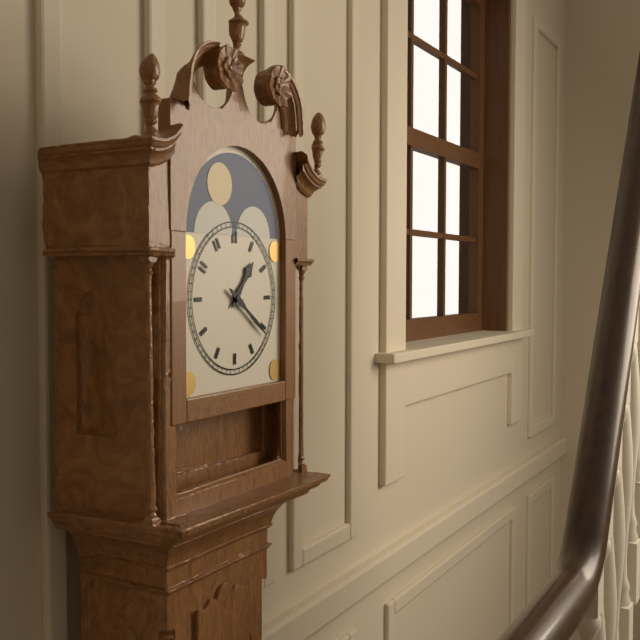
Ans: 1:21
